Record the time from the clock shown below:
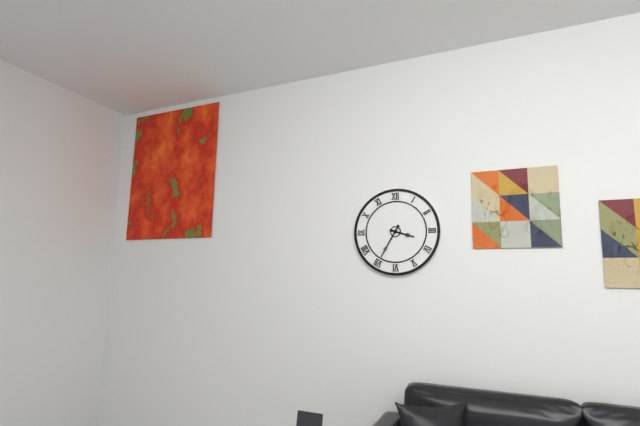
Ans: 3:35
